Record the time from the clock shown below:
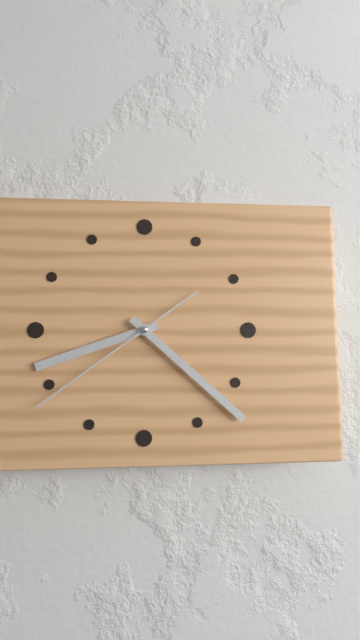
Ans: 8:22:39
